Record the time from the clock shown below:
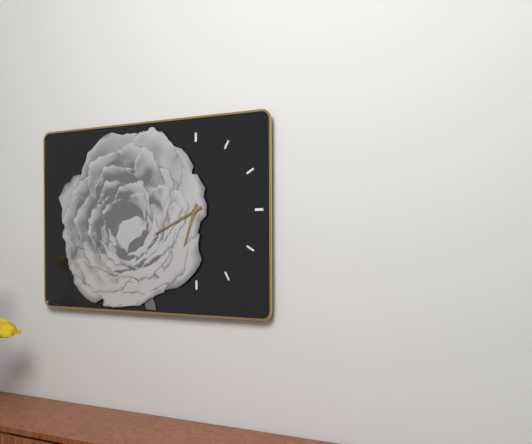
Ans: 6:41
